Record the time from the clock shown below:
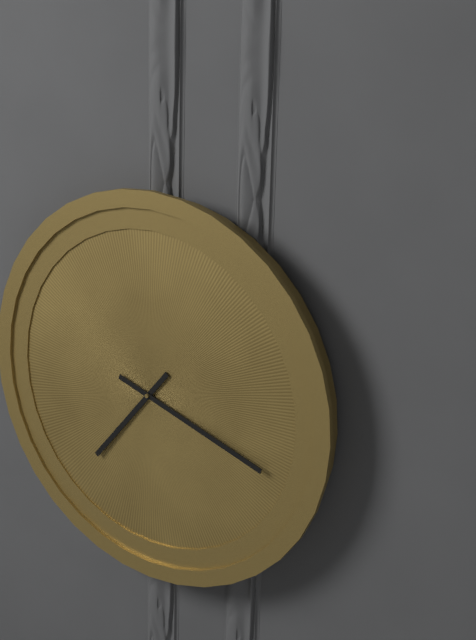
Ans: 7:18
